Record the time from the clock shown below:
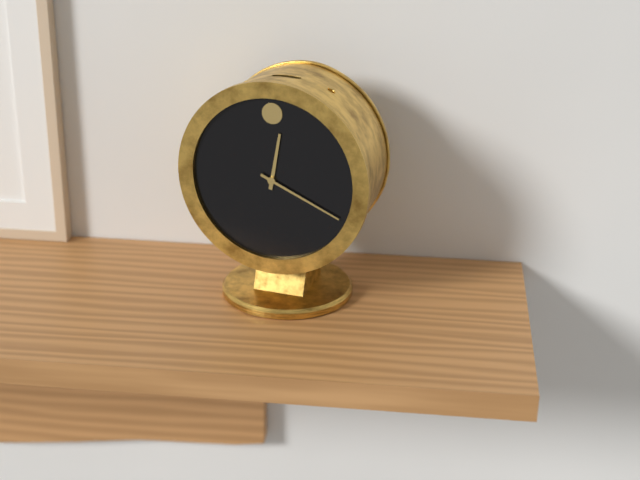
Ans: 12:19
